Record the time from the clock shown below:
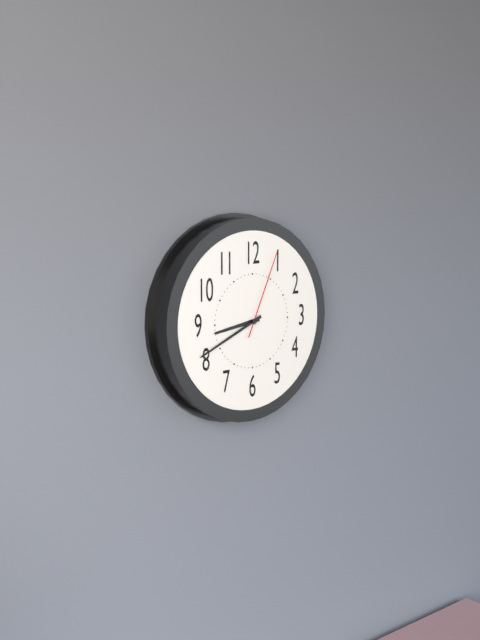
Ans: 8:41:04
